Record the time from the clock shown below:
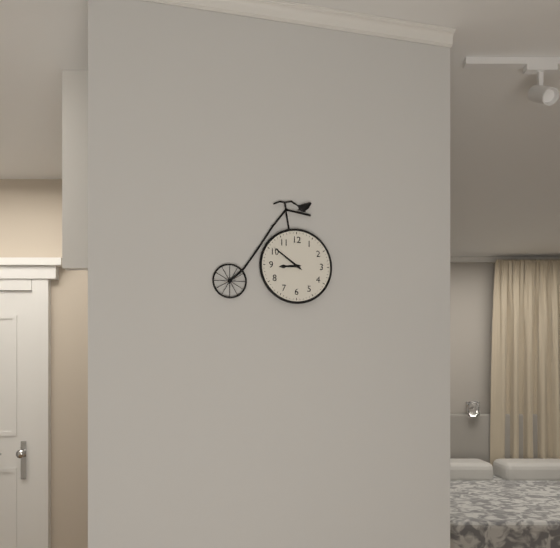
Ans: 8:51
